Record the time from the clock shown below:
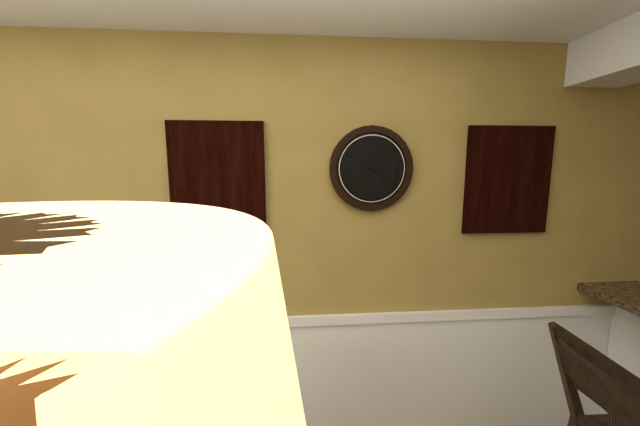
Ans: 4:13
